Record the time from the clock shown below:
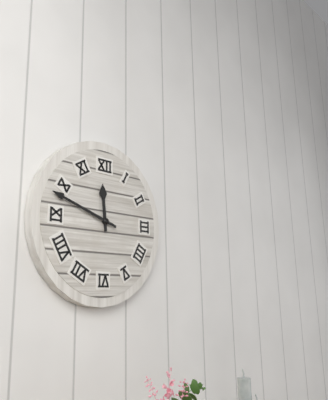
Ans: 11:48
